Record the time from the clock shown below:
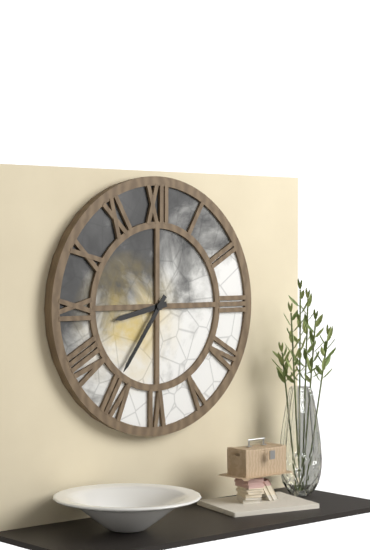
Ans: 8:36
